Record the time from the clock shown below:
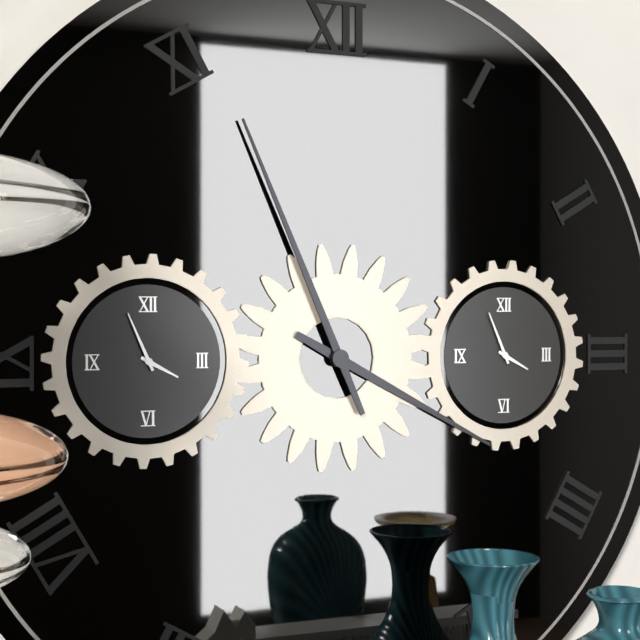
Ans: 3:56
